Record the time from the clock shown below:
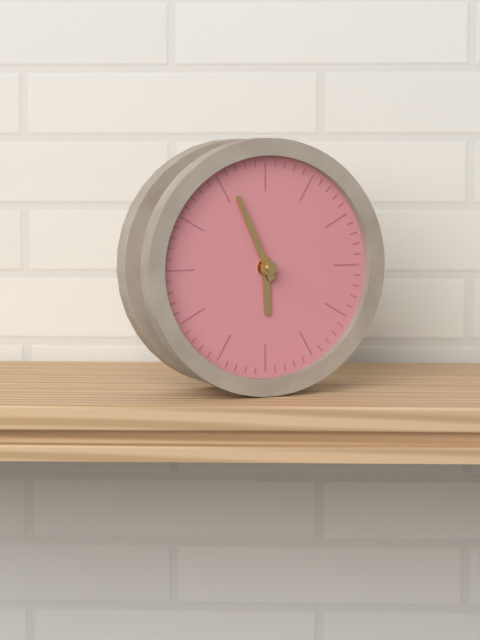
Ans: 5:56
